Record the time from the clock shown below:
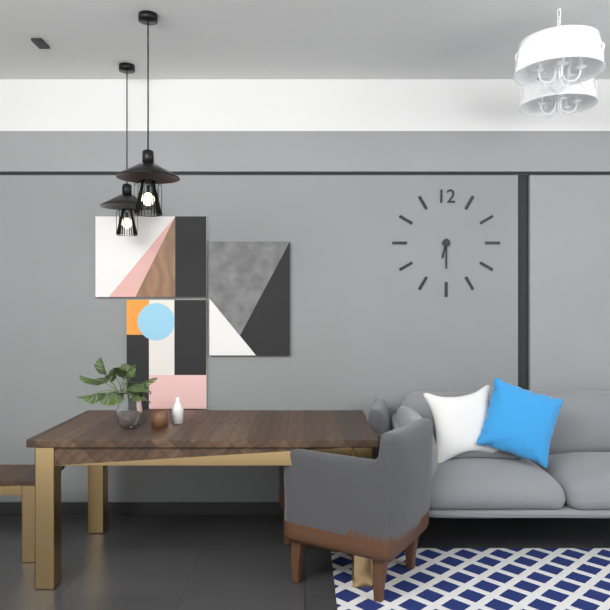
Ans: 6:30
